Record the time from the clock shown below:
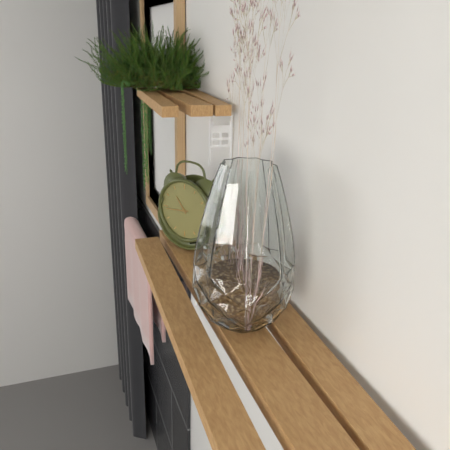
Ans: 10:44
